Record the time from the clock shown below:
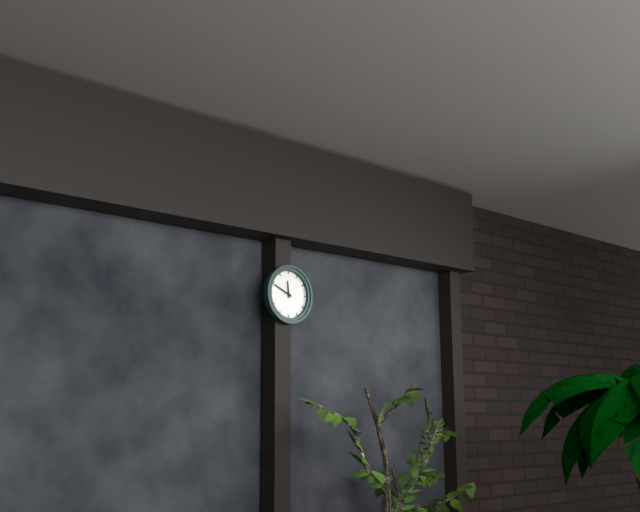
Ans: 11:49
